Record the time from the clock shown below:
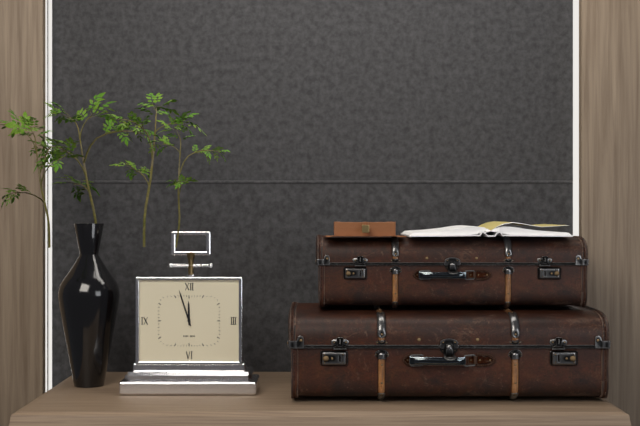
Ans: 11:57
